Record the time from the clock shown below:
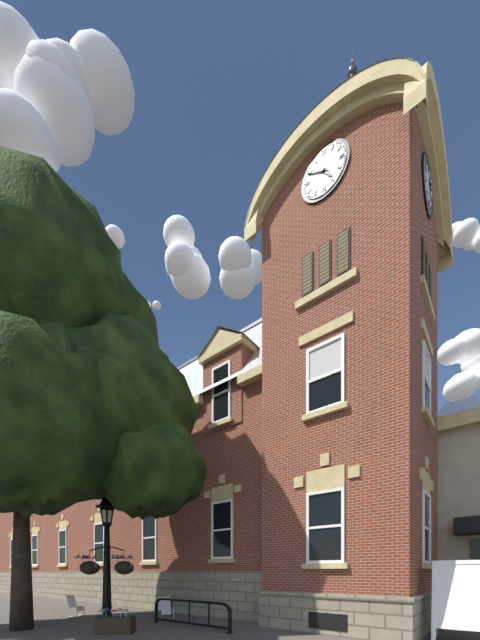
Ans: 4:50
